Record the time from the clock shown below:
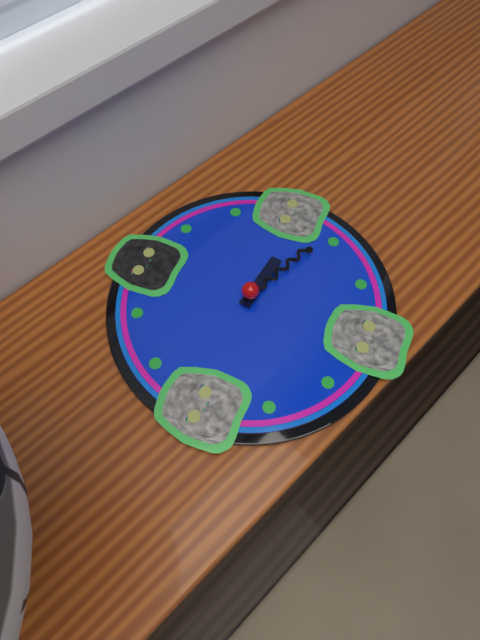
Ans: 3:19
